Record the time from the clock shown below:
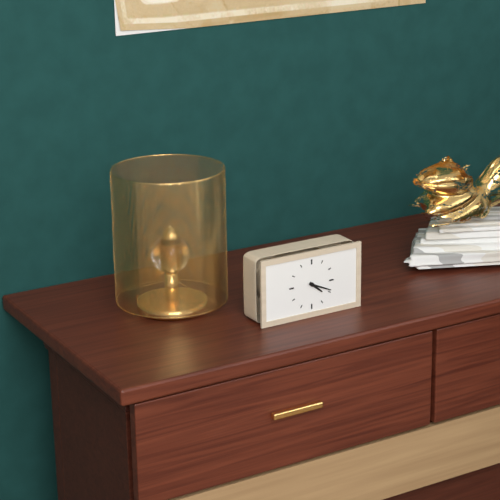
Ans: 4:19
